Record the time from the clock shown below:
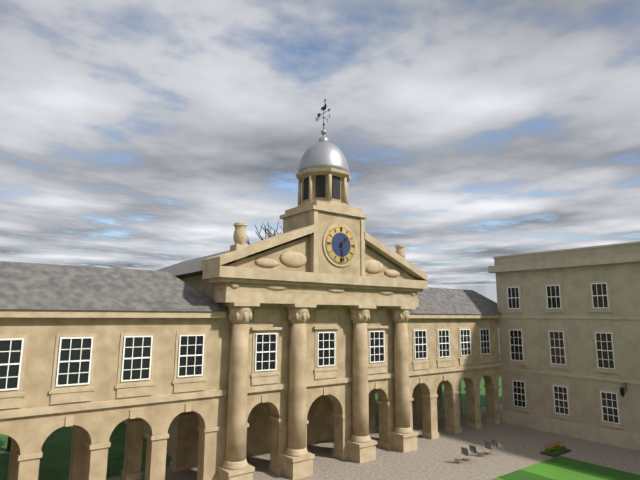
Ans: 1:29
